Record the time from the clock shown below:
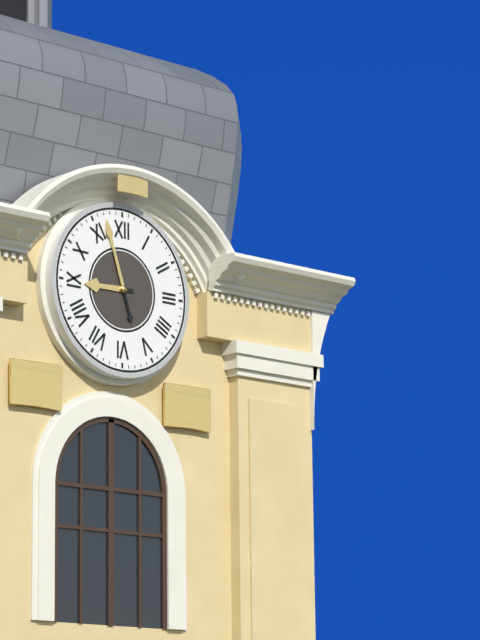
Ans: 8:57
